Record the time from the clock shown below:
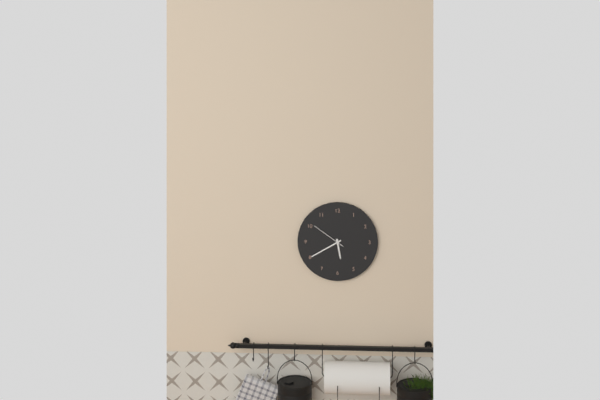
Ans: 5:40
